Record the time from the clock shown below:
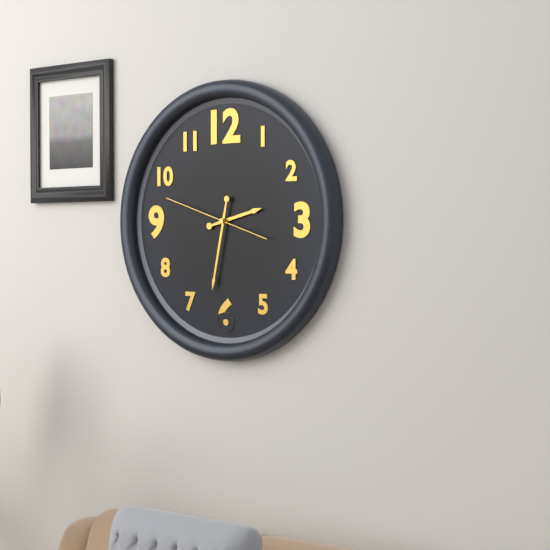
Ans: 2:32:48
